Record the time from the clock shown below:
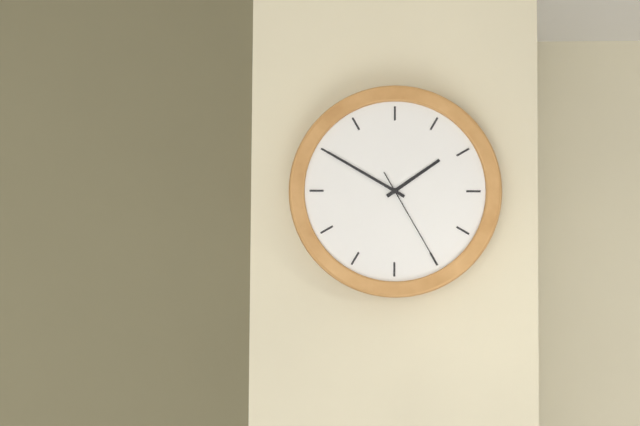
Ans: 1:50:25
